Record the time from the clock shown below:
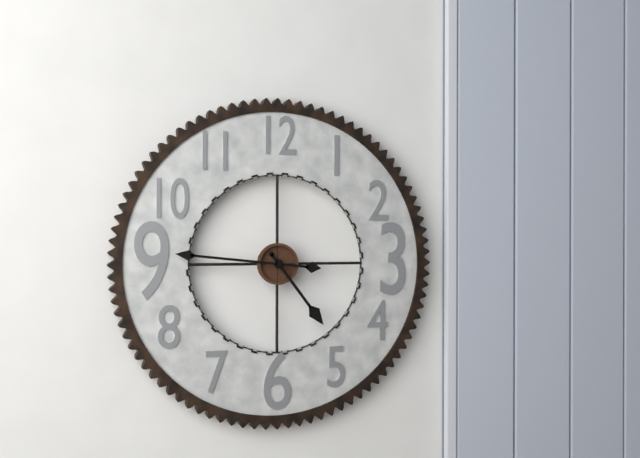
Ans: 4:46
